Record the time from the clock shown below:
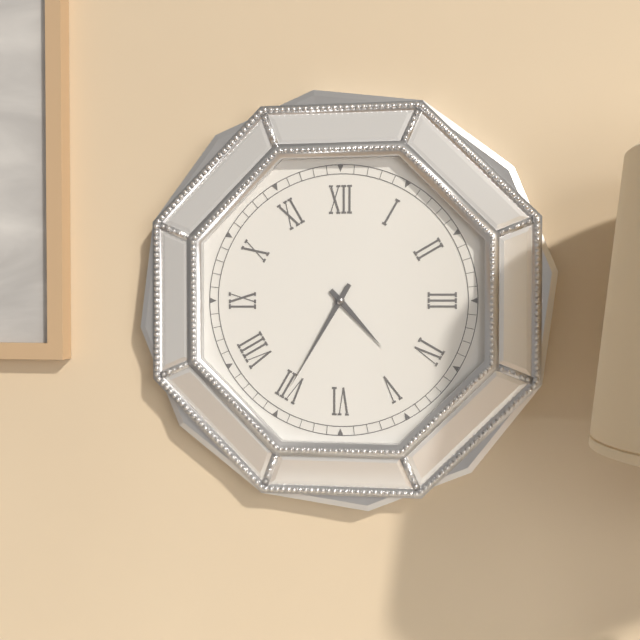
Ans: 4:35
